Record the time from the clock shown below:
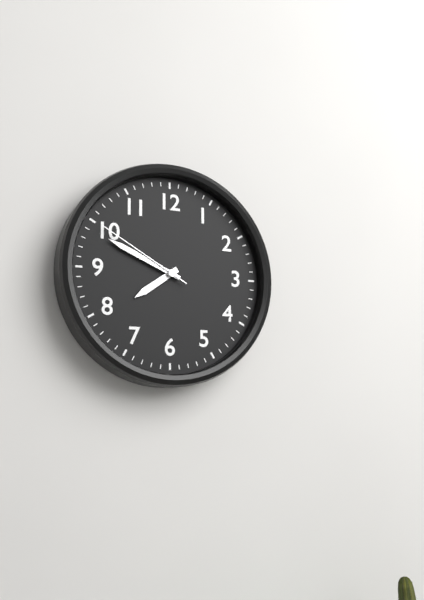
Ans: 7:49:50
